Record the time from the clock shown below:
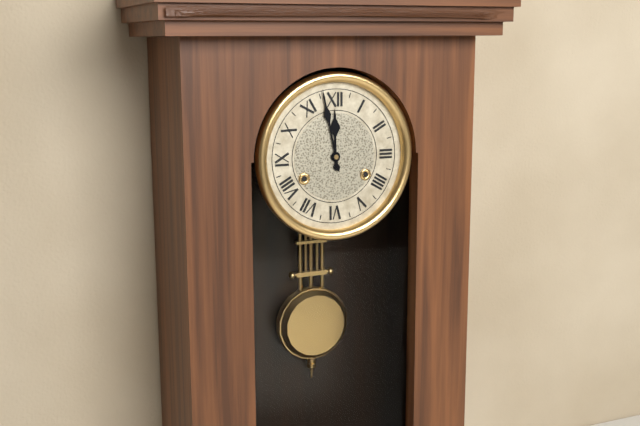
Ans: 11:58
